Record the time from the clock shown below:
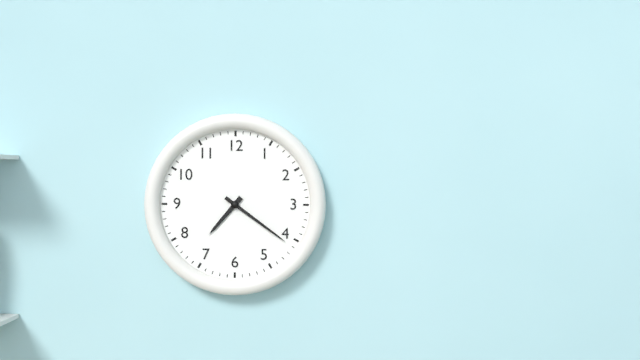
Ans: 7:21
